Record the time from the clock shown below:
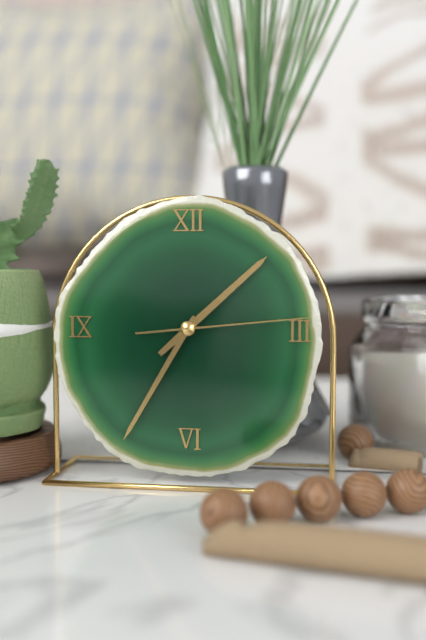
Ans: 1:35:14
